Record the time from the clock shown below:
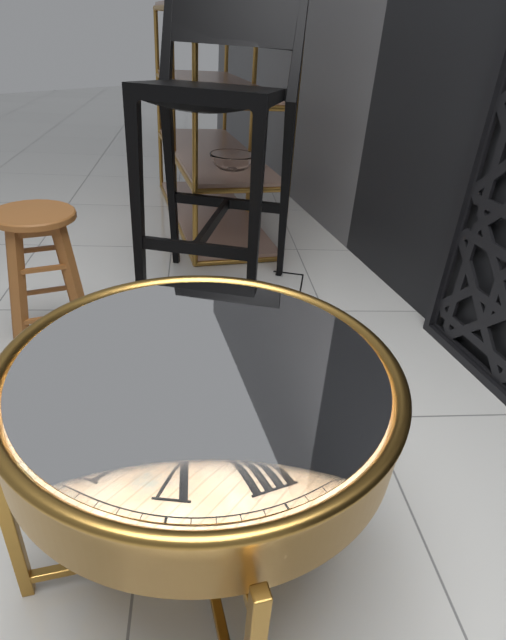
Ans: 5:35
